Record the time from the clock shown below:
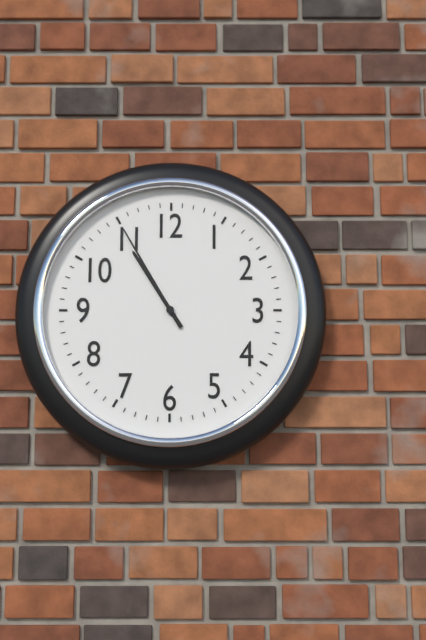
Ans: 10:55
